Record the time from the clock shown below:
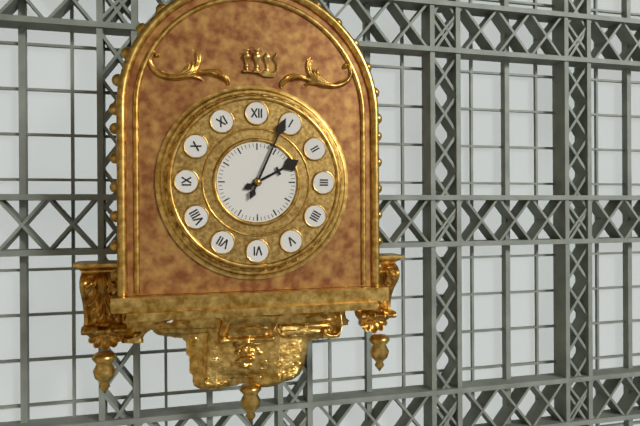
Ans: 2:04
